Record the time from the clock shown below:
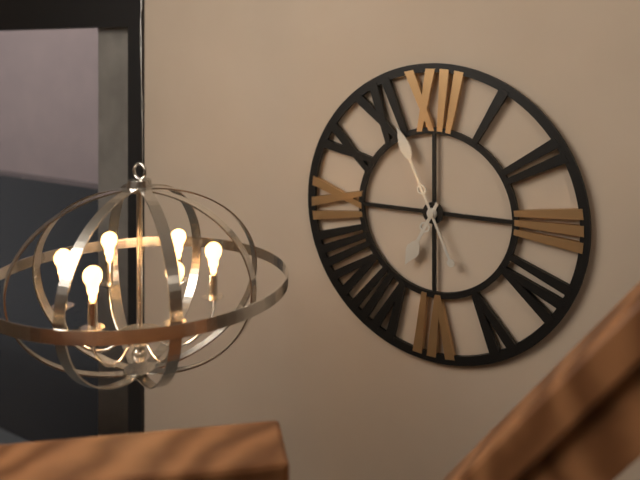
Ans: 6:56
